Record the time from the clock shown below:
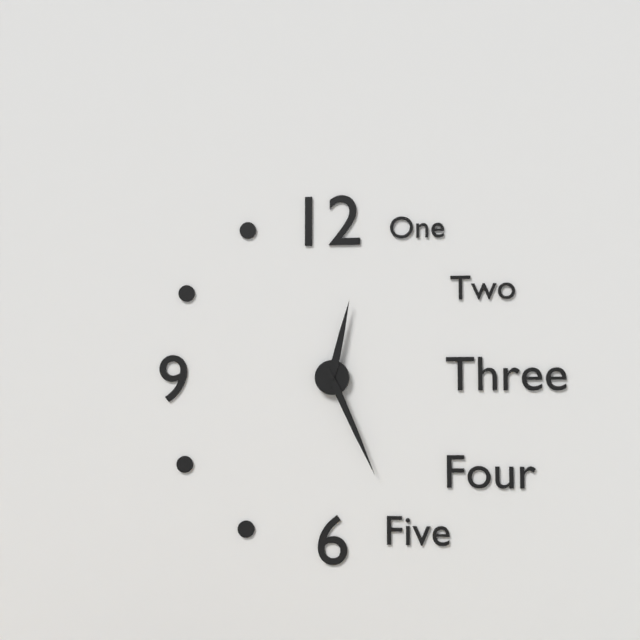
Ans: 12:26
